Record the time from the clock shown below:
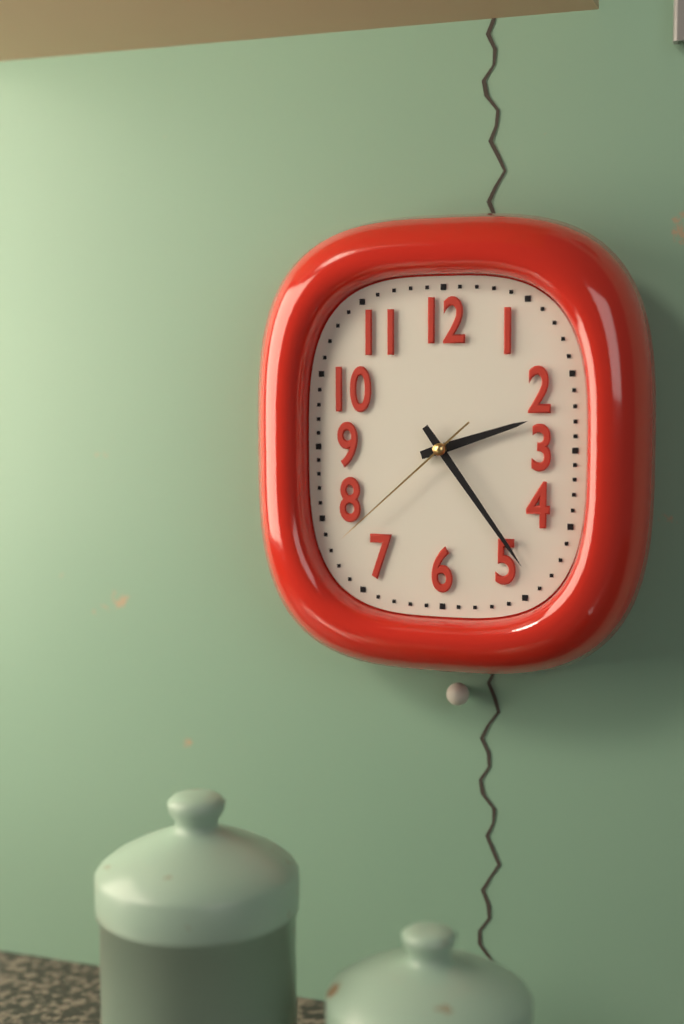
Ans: 2:24:38
